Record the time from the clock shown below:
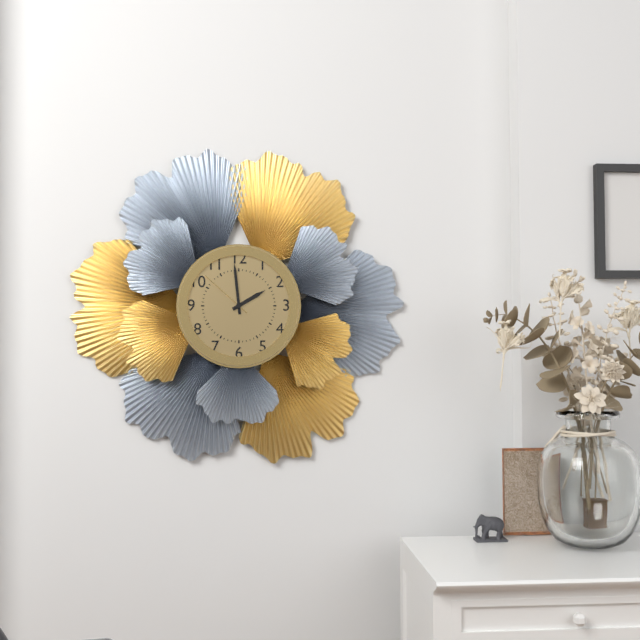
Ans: 1:59:52
